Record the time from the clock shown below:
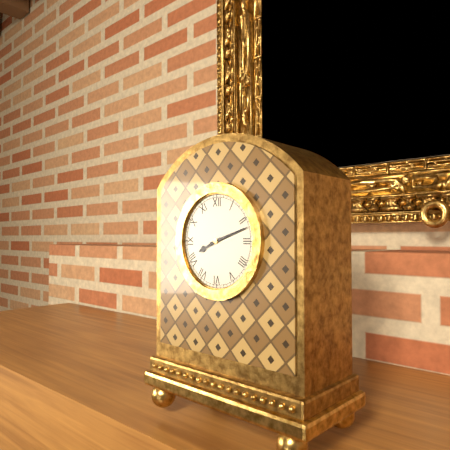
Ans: 8:12
